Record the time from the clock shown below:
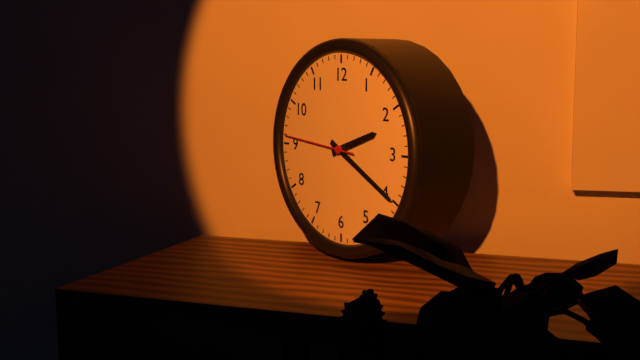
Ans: 2:20:46
